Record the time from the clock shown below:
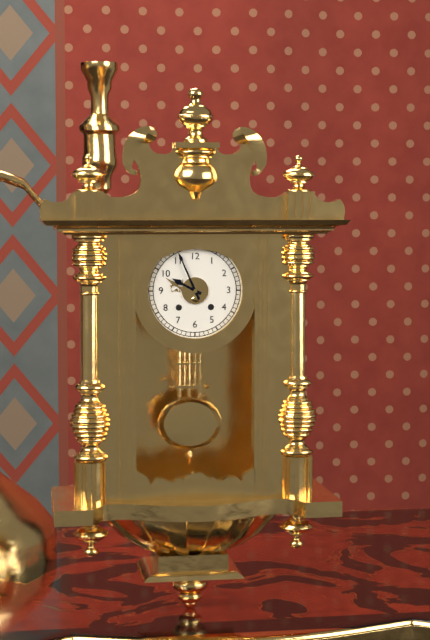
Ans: 9:56
